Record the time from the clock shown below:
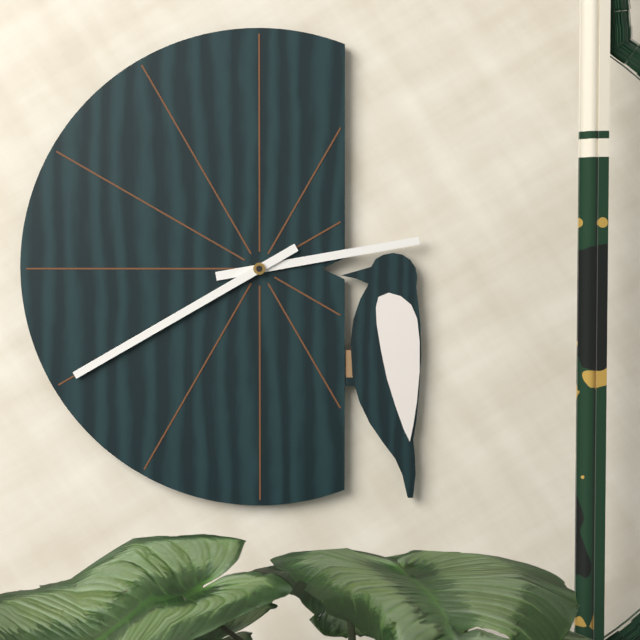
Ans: 2:40
